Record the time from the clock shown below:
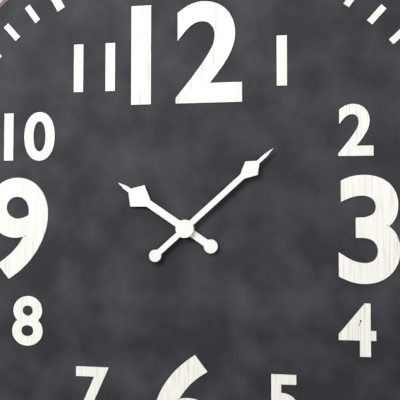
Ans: 10:08
